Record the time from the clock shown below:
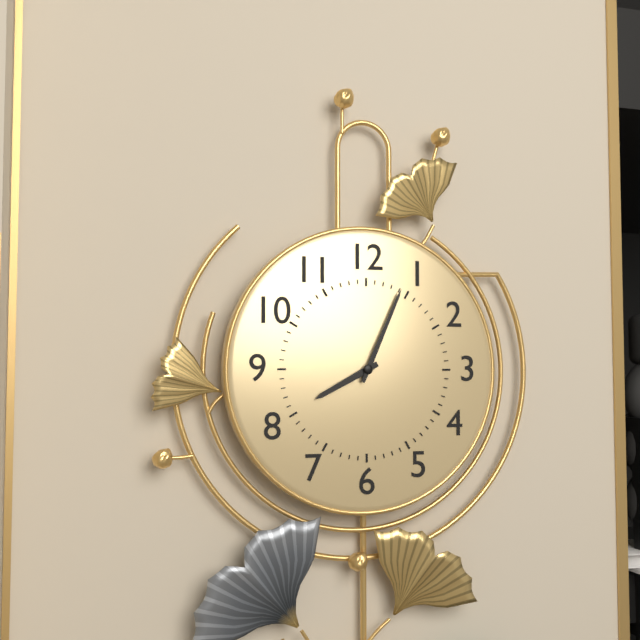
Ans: 8:04
